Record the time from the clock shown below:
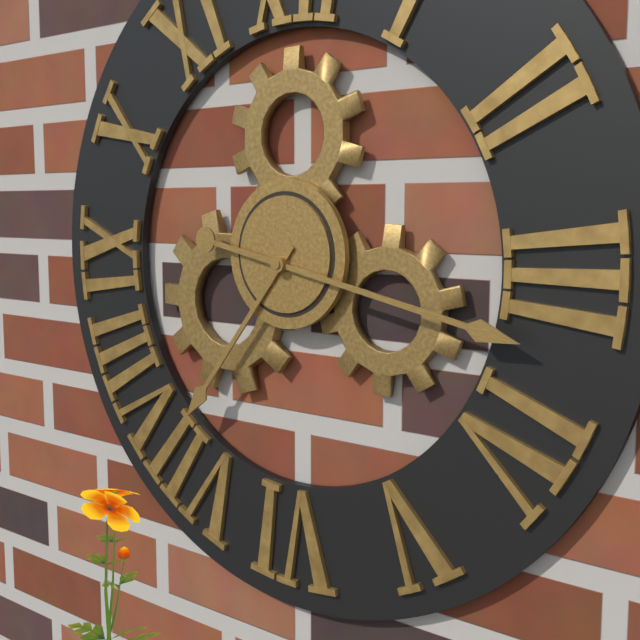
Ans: 7:17
